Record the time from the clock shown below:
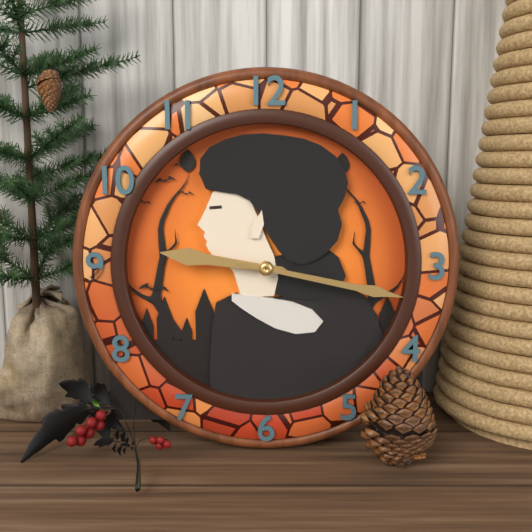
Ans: 9:17
